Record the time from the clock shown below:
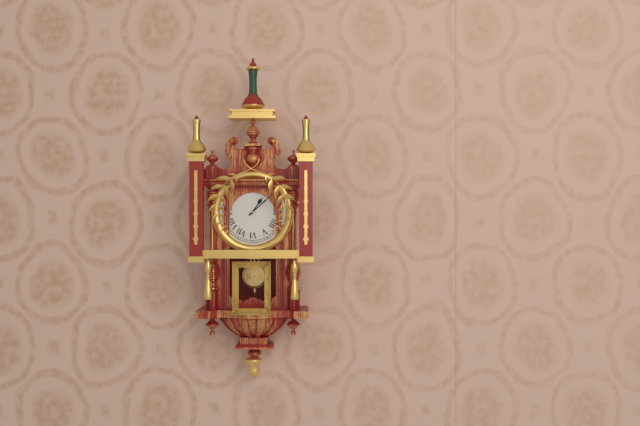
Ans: 1:08
